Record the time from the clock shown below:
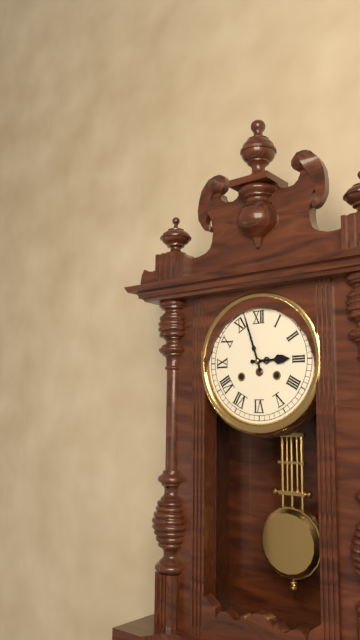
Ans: 2:57
